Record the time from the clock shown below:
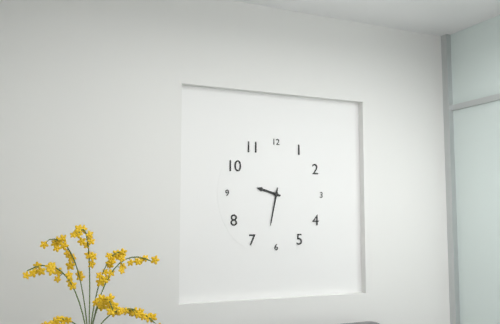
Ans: 9:32
